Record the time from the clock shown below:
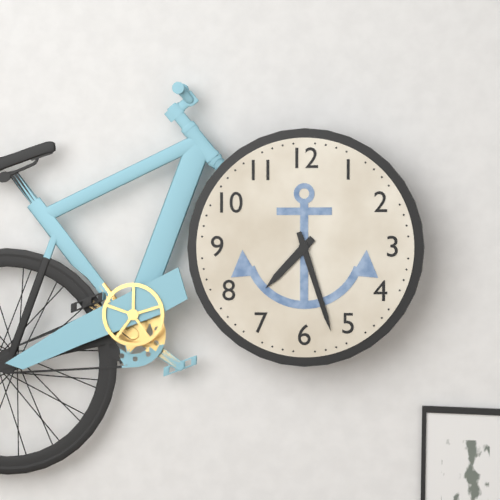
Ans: 7:27
